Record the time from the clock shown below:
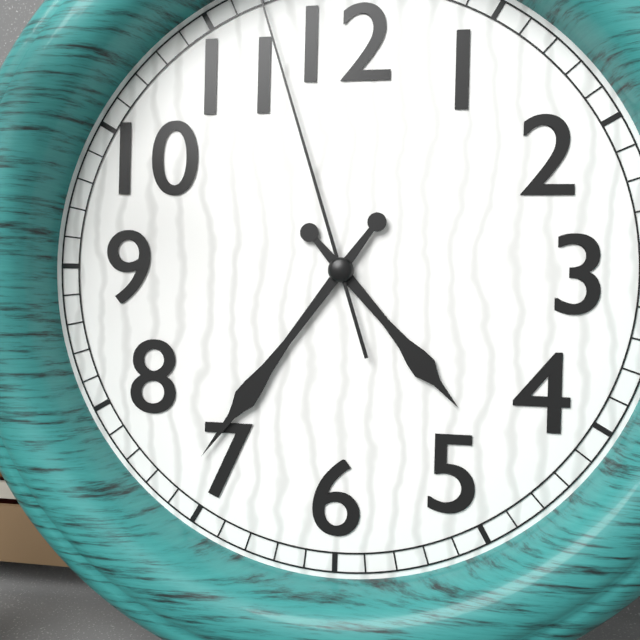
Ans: 4:36
